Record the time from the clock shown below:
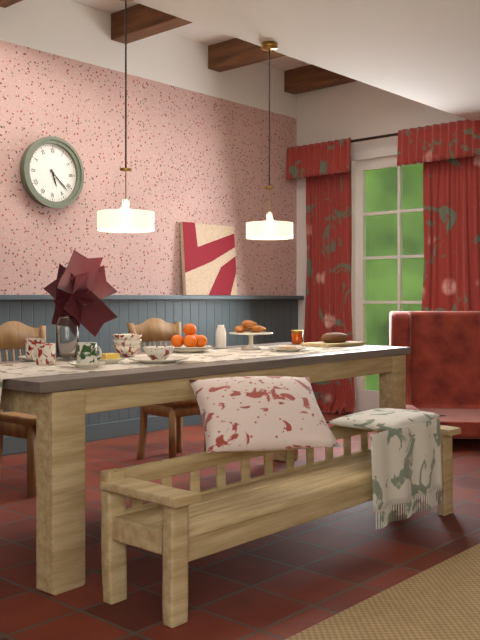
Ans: 5:22
